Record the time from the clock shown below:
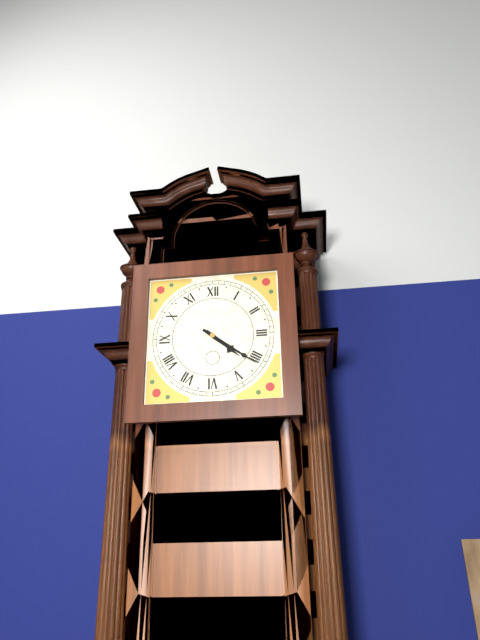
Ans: 4:21
